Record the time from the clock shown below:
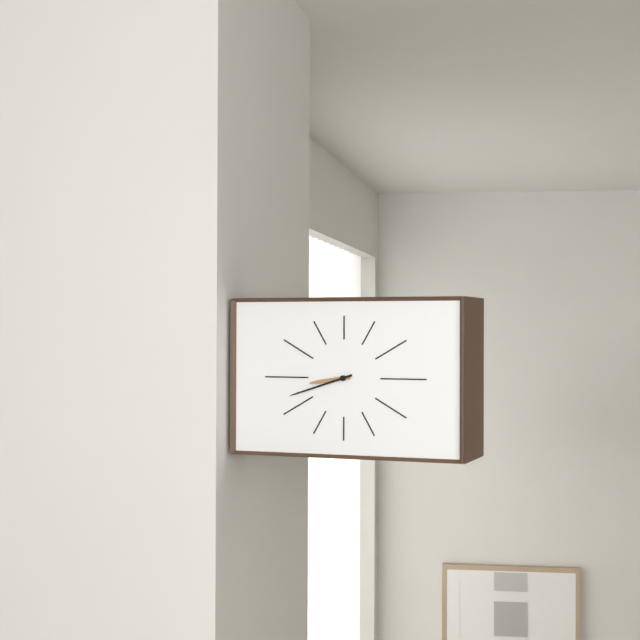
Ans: 8:42
